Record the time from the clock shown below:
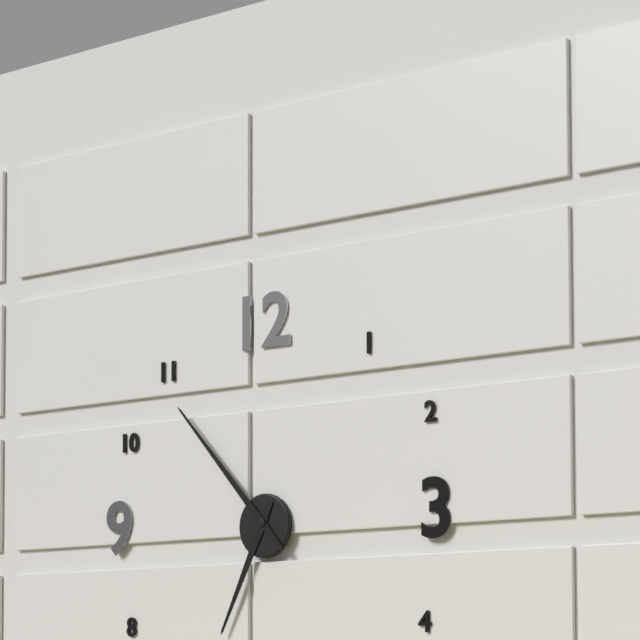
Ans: 6:53
